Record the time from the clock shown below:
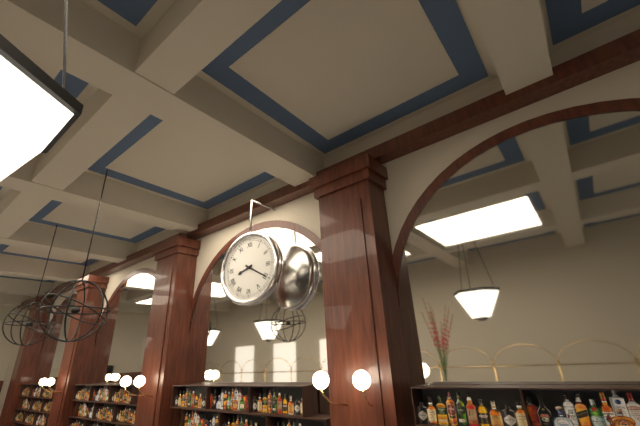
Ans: 8:20
